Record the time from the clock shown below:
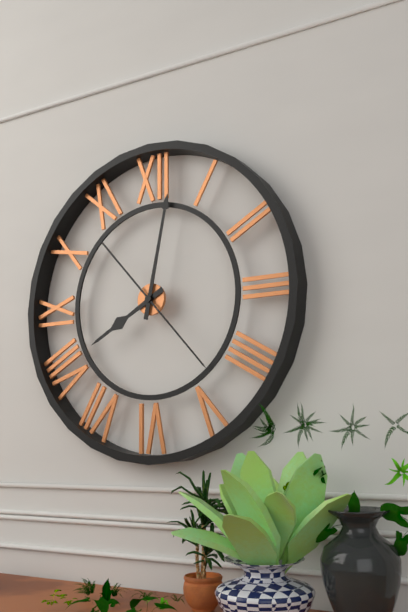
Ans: 8:02:23
